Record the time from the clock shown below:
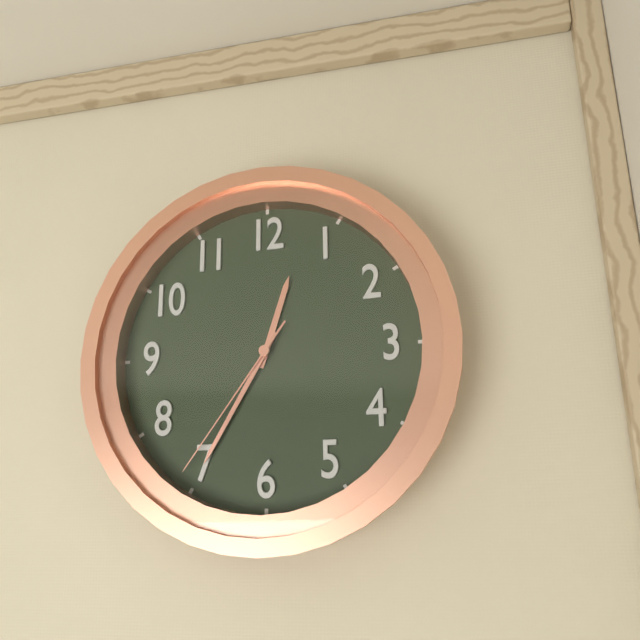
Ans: 12:35:36
